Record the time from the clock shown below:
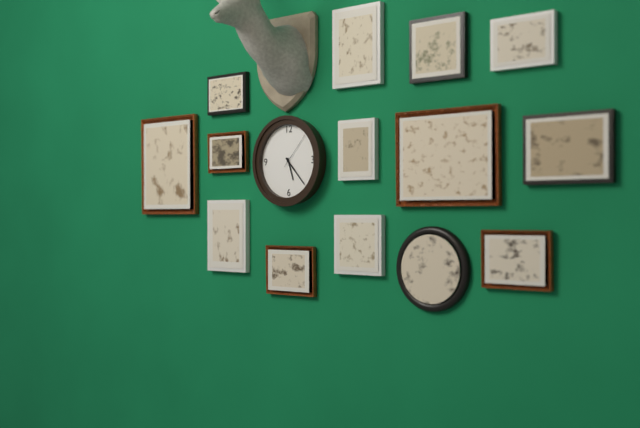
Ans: 5:23
